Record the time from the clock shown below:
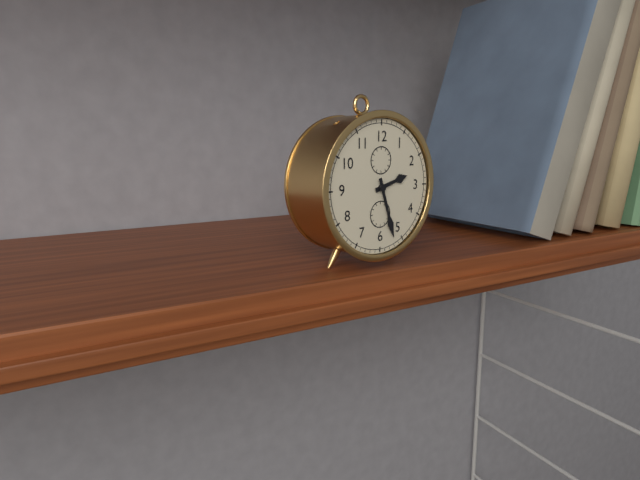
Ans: 2:27
